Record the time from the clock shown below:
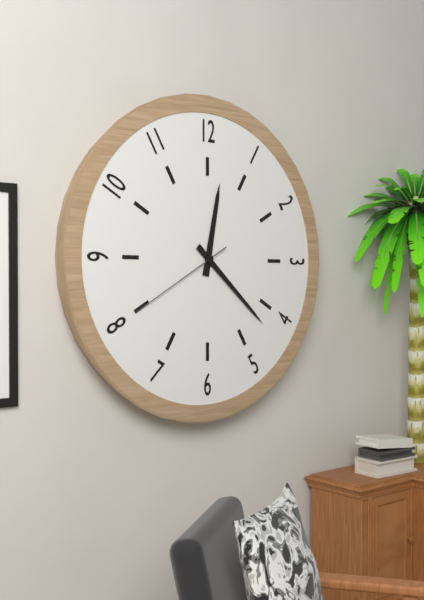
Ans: 12:22:40
